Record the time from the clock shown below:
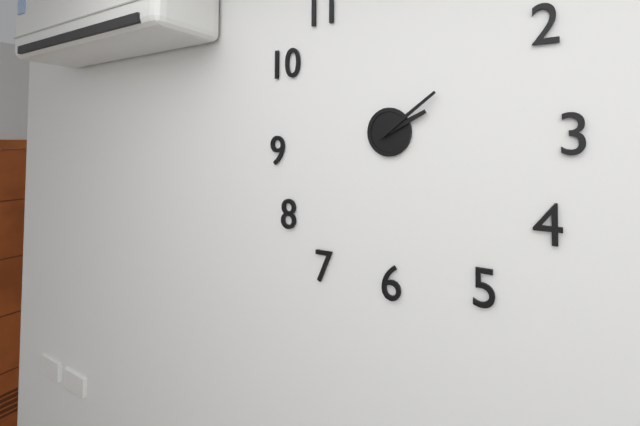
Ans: 2:09
